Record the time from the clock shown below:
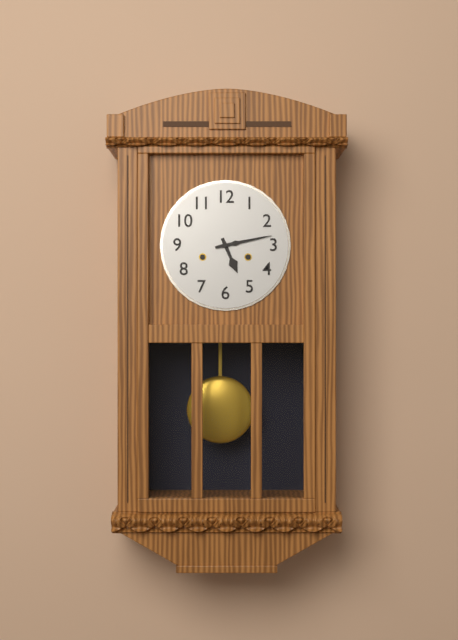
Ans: 5:13
